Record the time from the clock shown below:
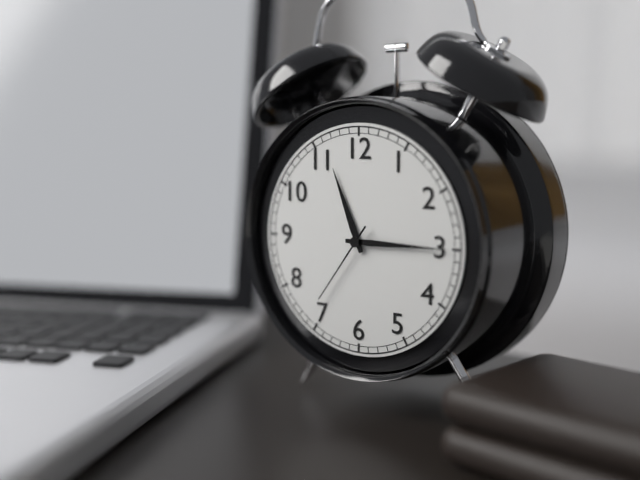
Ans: 11:15:36
